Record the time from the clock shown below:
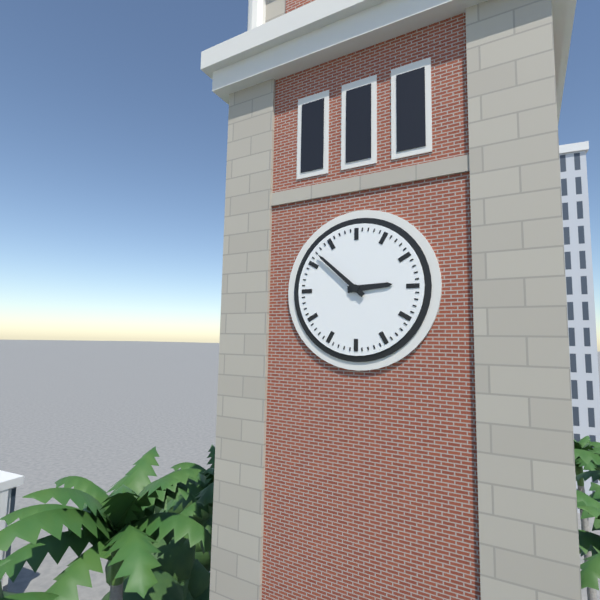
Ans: 2:52
